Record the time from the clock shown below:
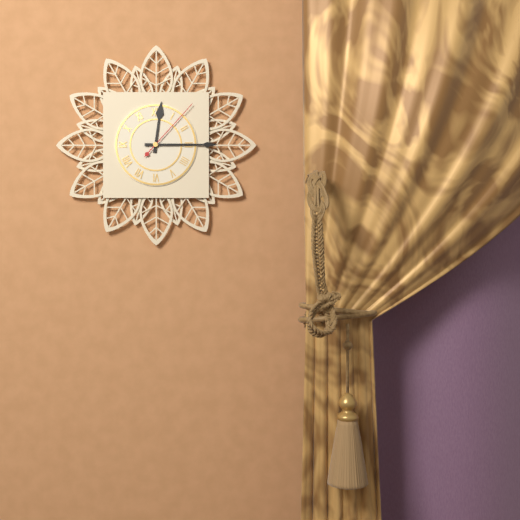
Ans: 12:15:07
